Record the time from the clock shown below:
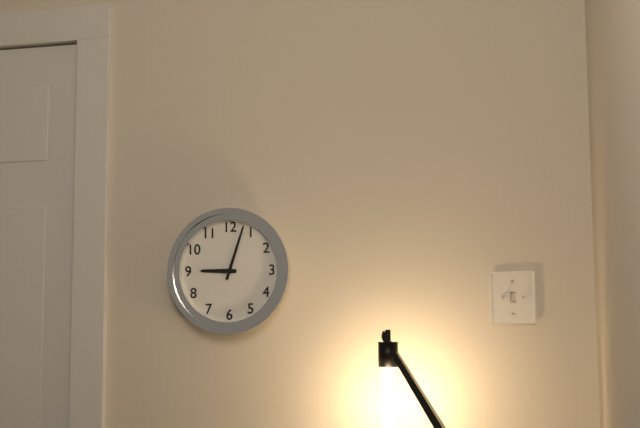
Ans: 9:03
